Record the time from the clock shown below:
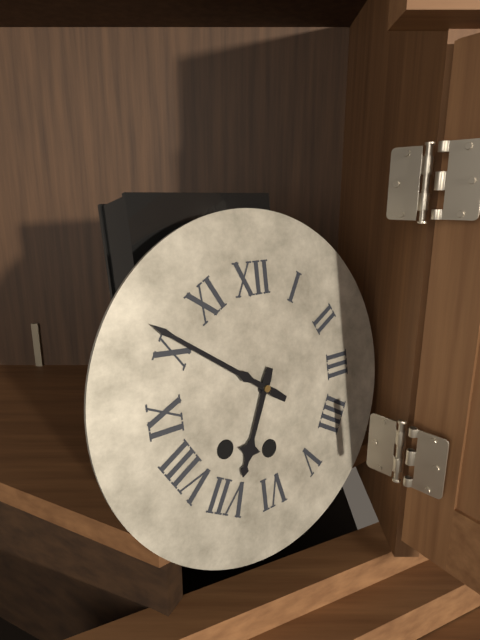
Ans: 6:51
